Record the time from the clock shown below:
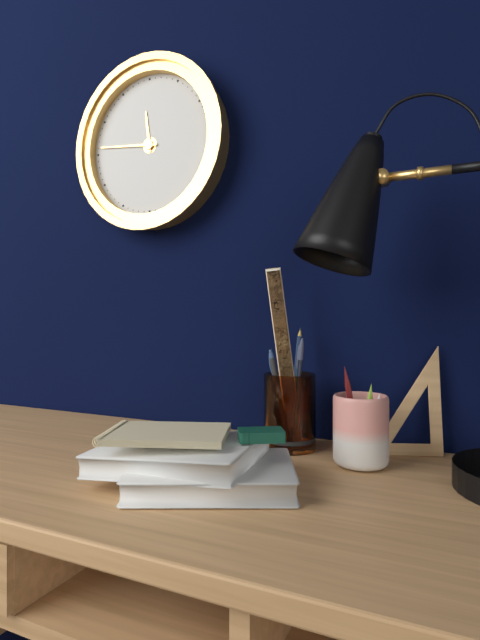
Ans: 11:46
